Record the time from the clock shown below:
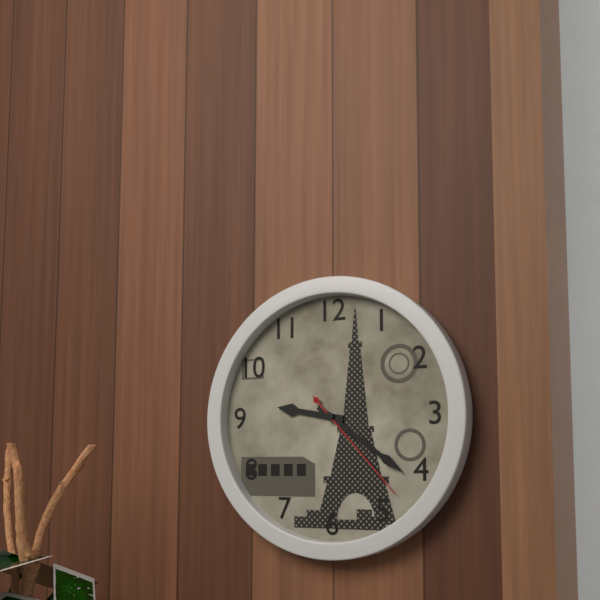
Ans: 9:21:23
